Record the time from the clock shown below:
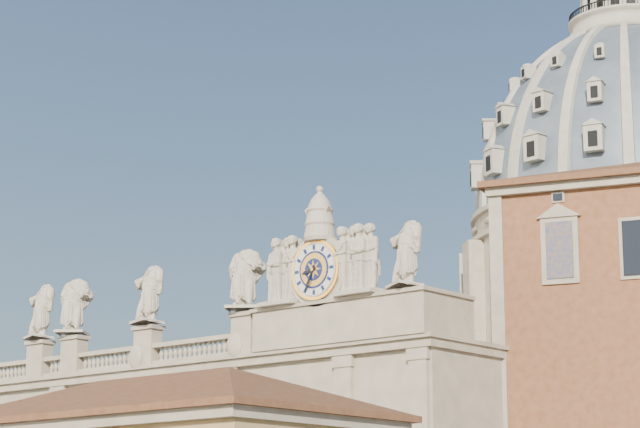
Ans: 8:34
